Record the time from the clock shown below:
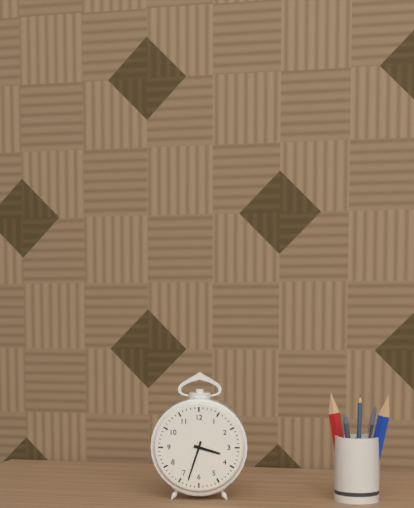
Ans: 3:33
